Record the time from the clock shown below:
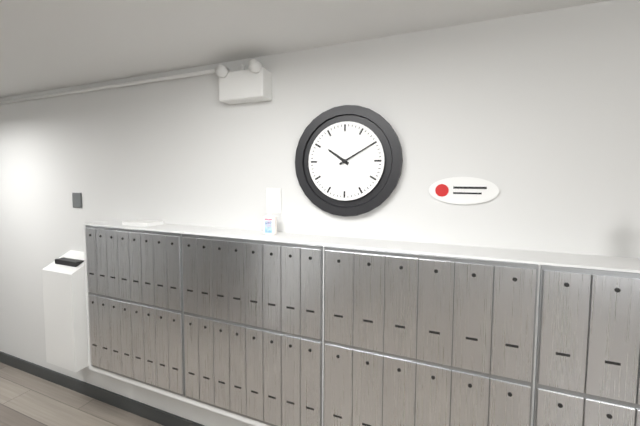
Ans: 10:10
